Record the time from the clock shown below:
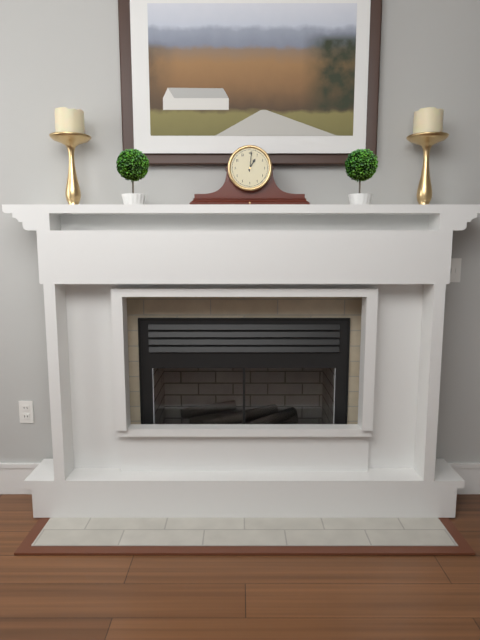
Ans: 1:01
